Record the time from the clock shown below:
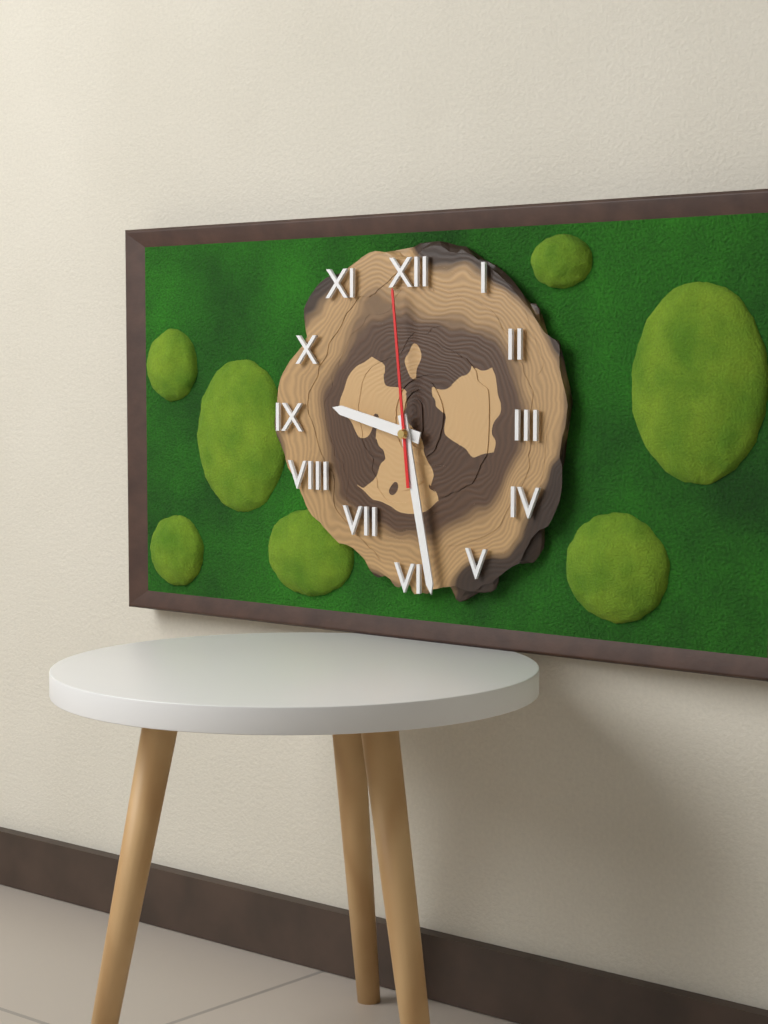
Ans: 9:28:59
